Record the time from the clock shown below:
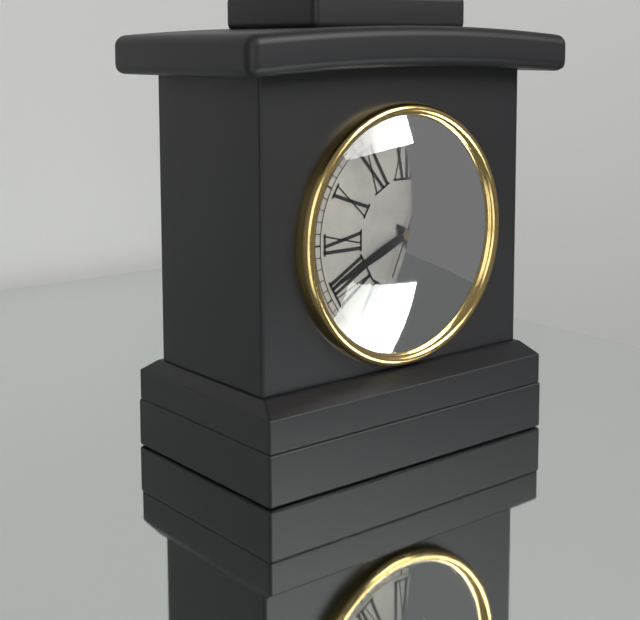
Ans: 4:41:04
